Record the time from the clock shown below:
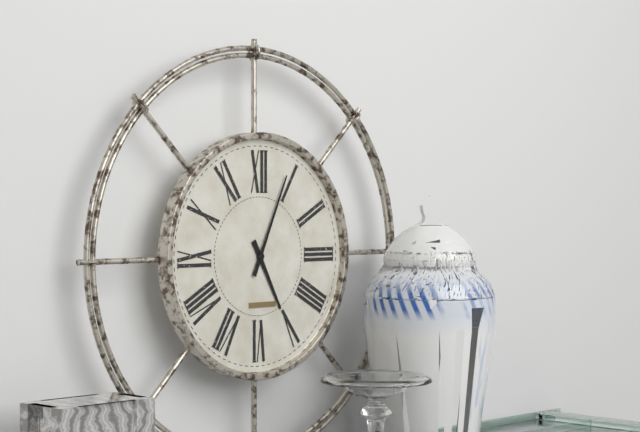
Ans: 5:04
